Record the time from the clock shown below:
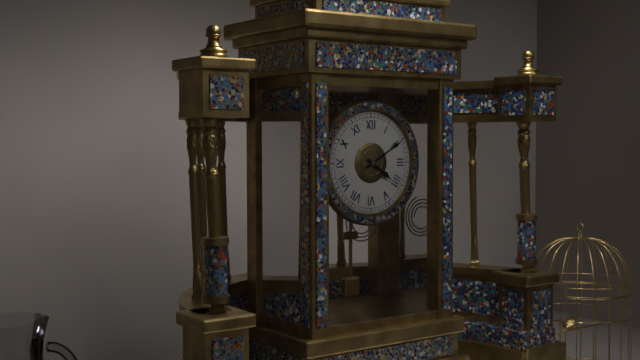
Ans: 4:10
